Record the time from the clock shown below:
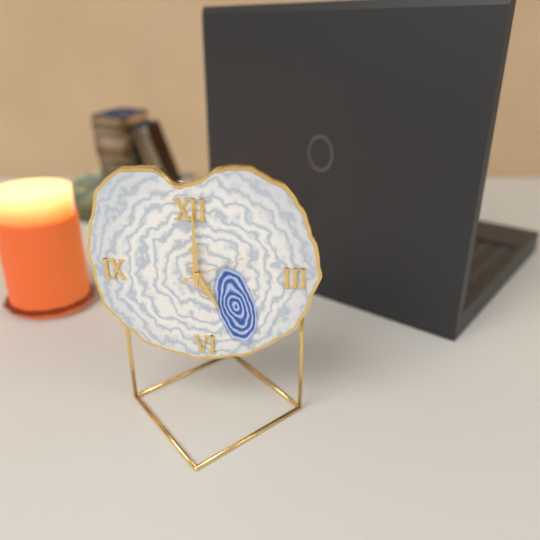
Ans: 5:00:11
